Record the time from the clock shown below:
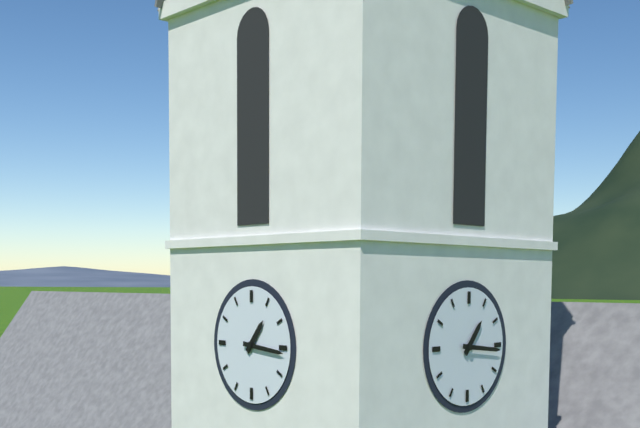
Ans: 1:16
